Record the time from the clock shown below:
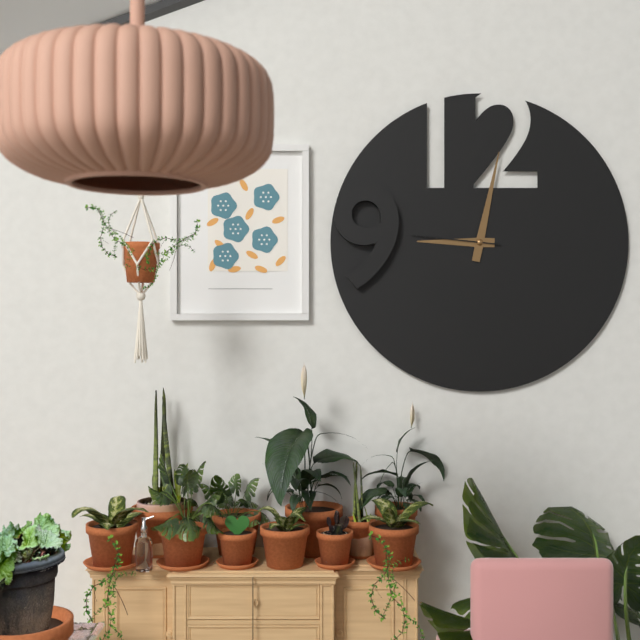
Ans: 9:02:46
